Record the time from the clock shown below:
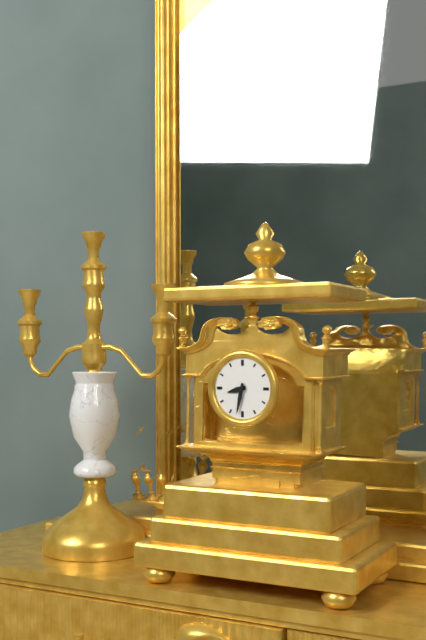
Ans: 8:32
